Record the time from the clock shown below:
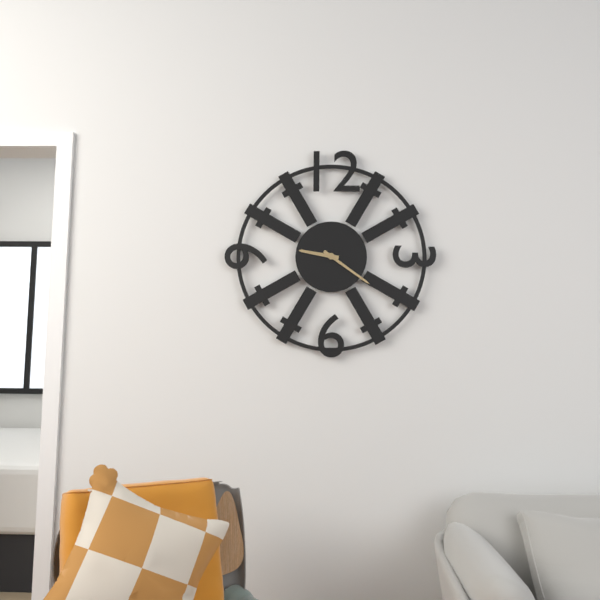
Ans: 9:21
